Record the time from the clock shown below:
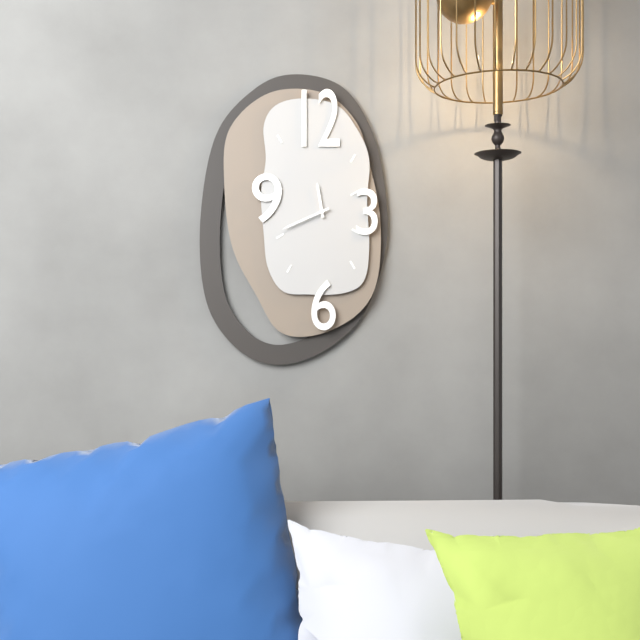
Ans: 11:41
